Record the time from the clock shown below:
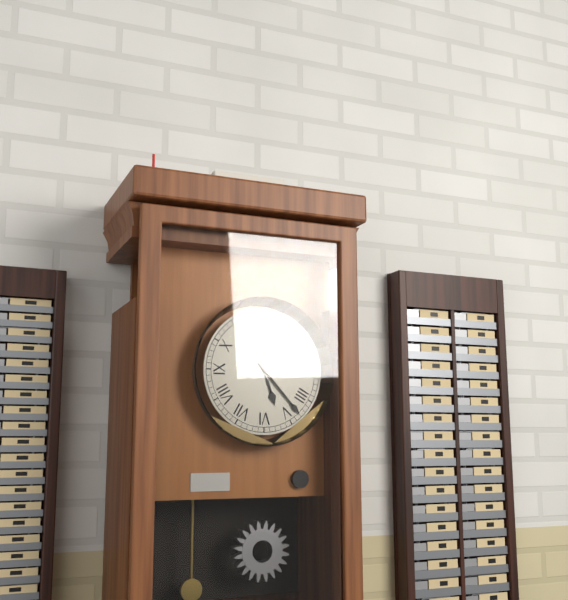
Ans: 5:23
